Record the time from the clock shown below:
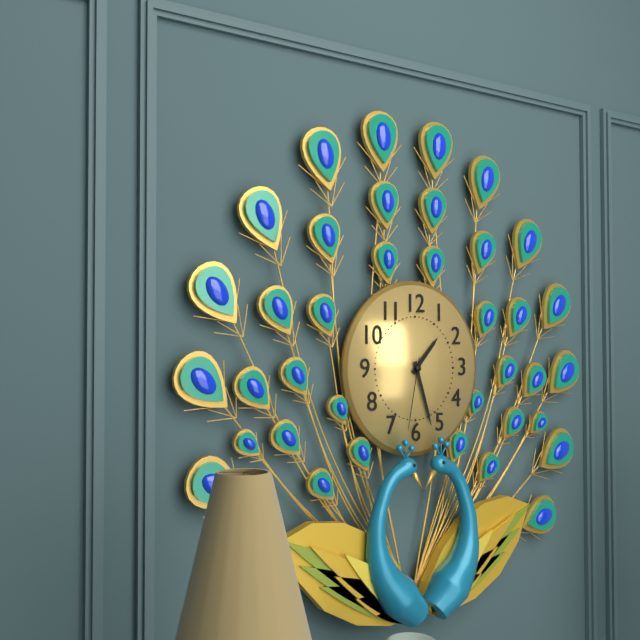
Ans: 1:27:32
